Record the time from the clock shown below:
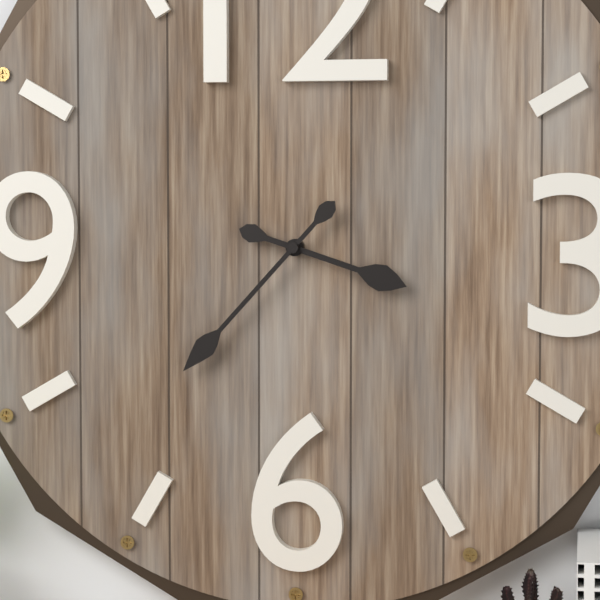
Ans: 3:37
